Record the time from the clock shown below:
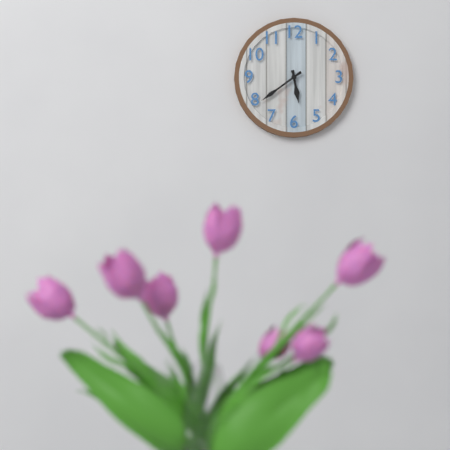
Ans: 5:39
